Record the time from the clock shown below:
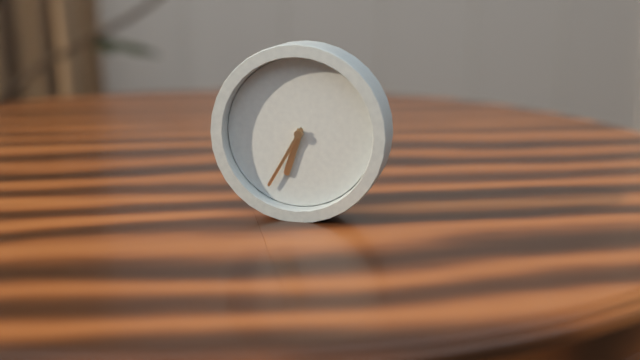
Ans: 6:35
